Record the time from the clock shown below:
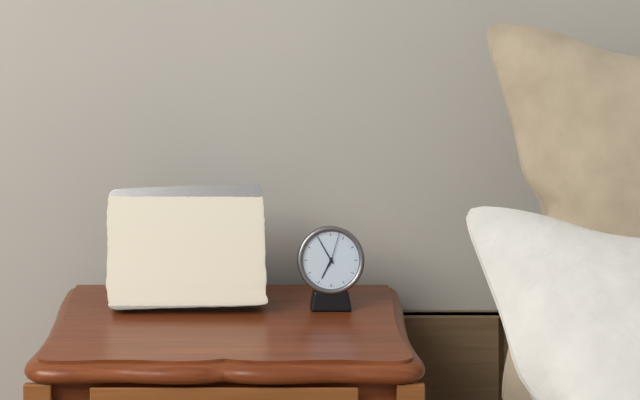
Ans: 6:55
